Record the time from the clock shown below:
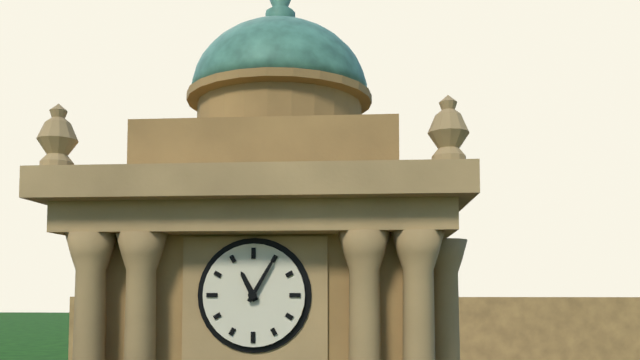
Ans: 11:05
